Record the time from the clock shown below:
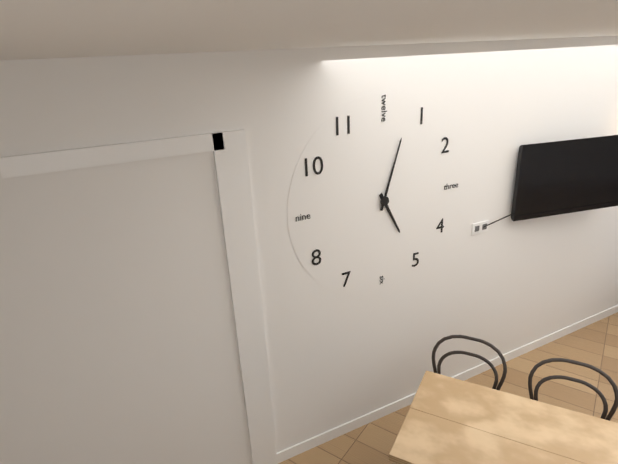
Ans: 5:03
